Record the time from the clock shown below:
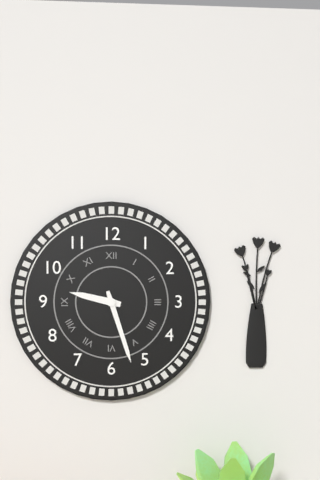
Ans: 9:27
